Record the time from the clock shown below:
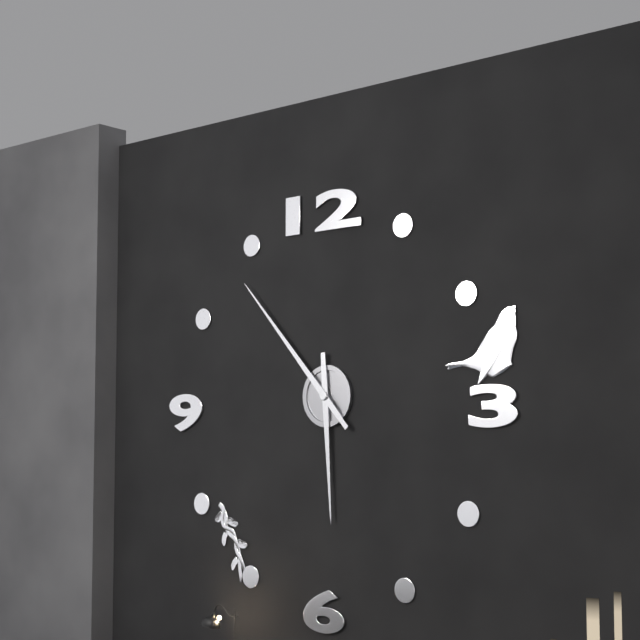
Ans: 5:53
